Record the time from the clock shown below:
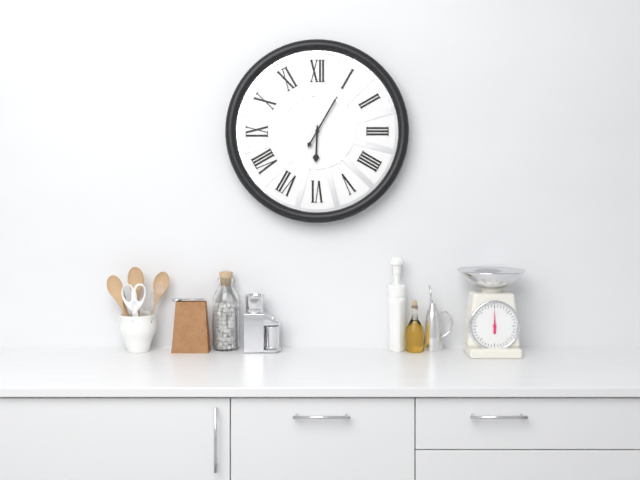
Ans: 6:05
